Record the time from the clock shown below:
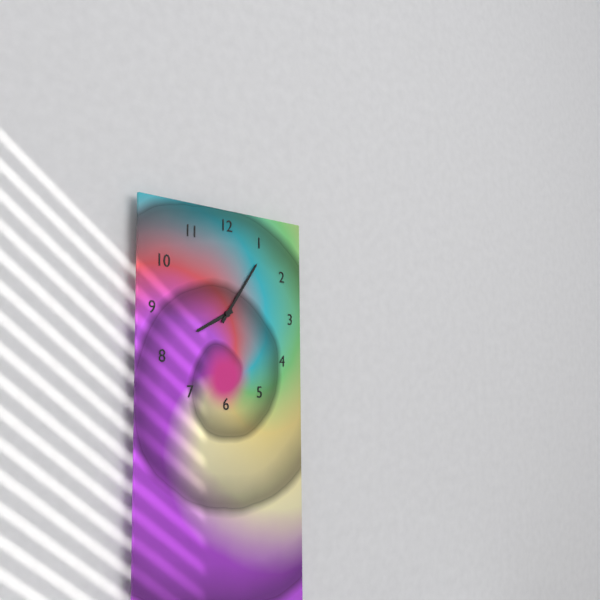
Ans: 8:06
